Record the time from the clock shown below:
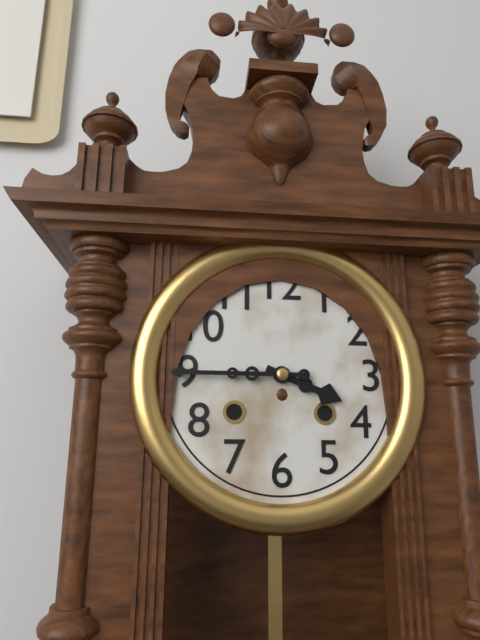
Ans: 3:45
